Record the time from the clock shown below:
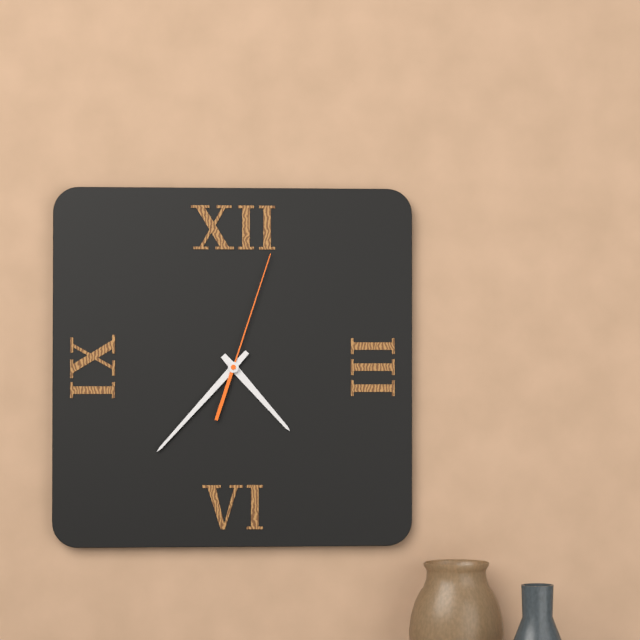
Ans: 4:37:03
